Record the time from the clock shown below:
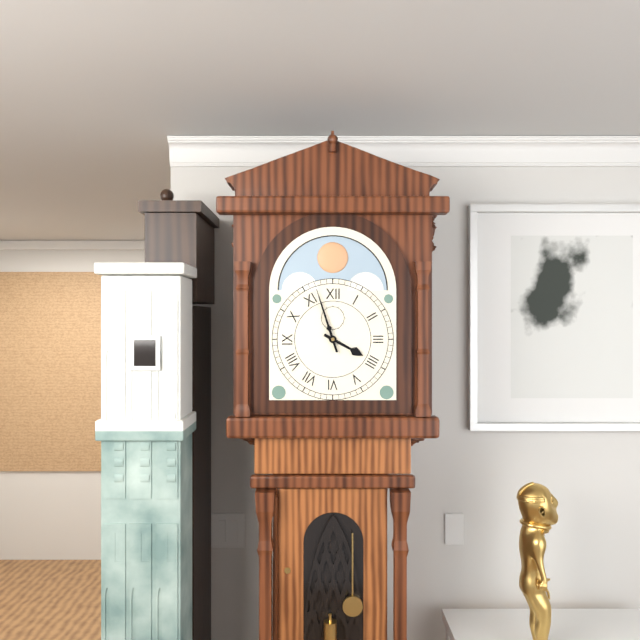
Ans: 3:57
